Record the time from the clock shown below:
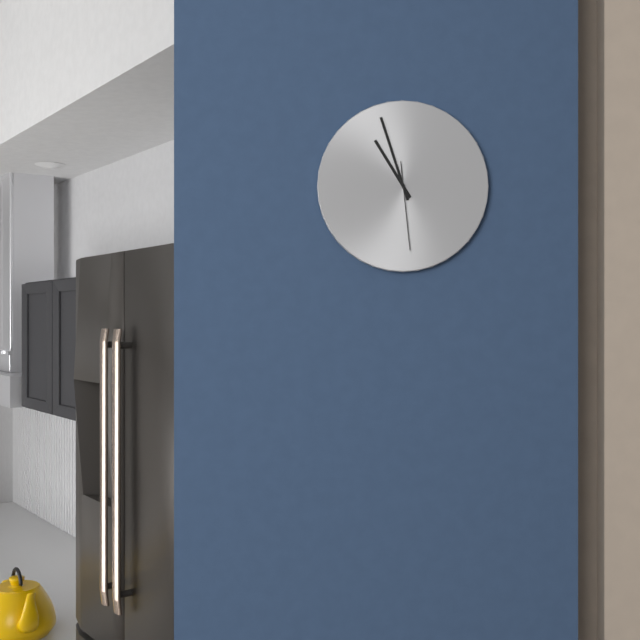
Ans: 10:57:29
